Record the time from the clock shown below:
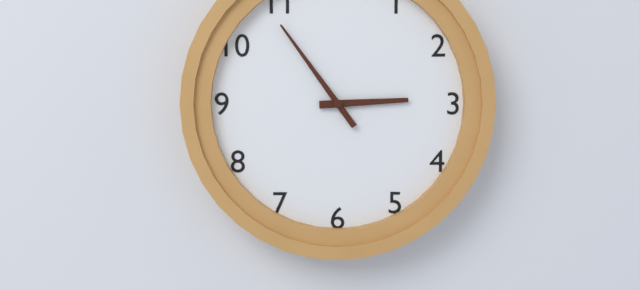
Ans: 2:54
